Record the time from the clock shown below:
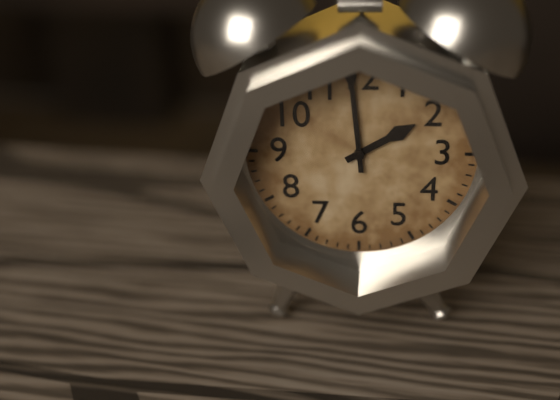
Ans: 1:59
